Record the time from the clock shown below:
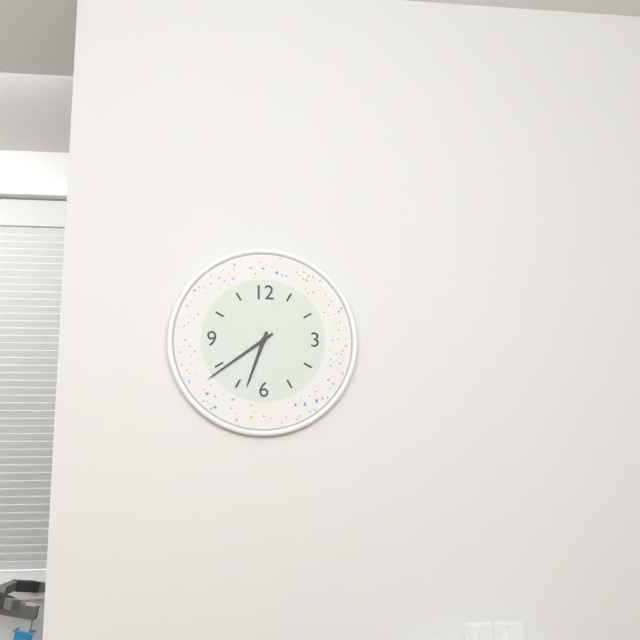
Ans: 6:39
